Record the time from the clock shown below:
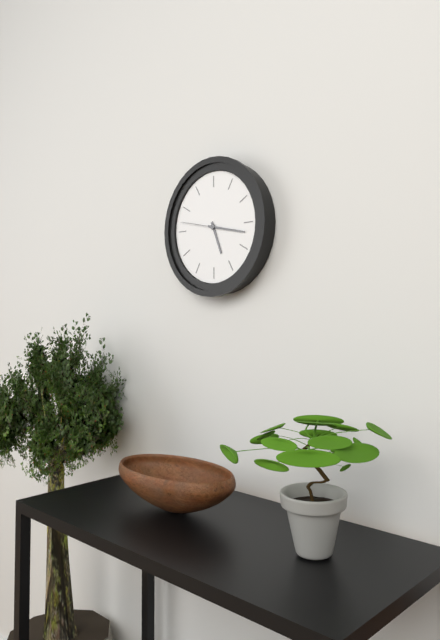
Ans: 5:17
